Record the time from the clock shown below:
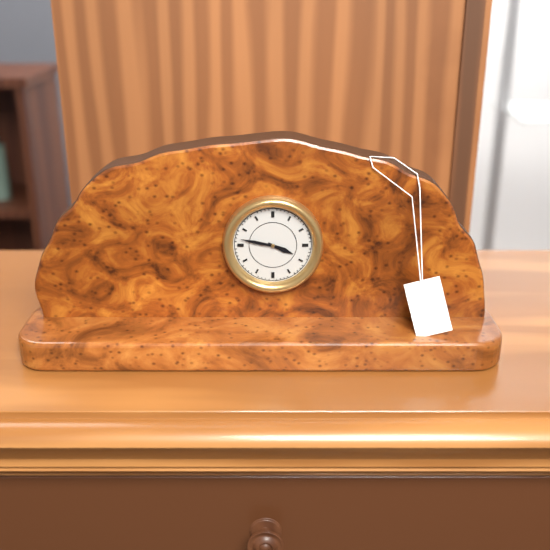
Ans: 3:47
